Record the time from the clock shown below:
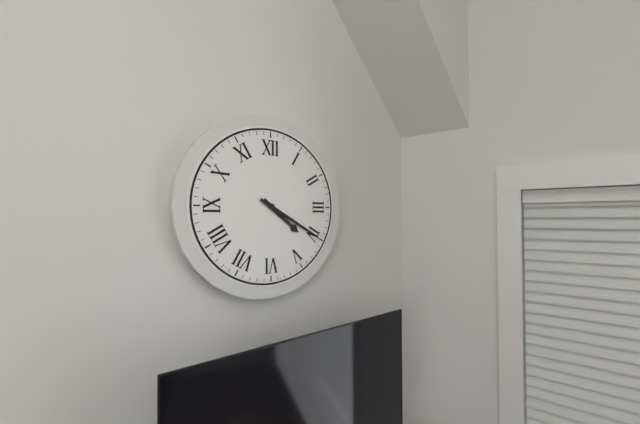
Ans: 4:20
